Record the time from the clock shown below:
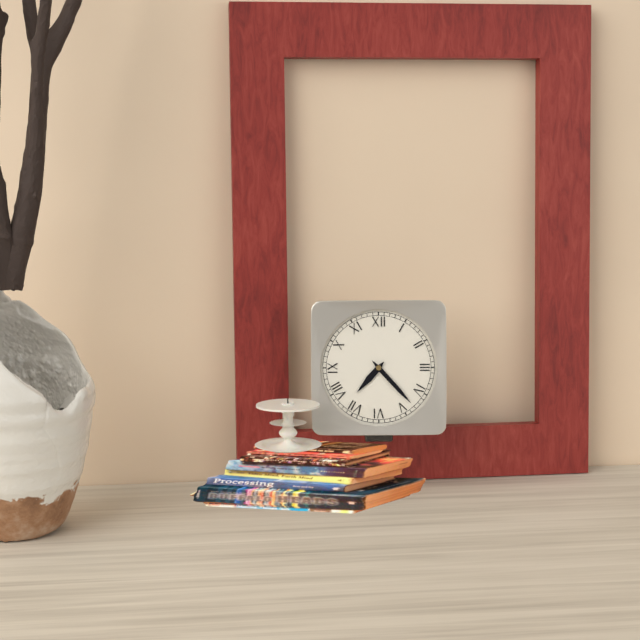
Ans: 7:23
